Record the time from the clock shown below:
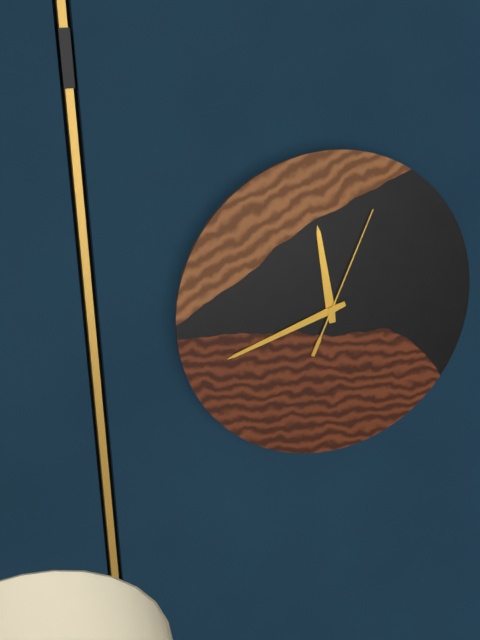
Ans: 11:42:04
